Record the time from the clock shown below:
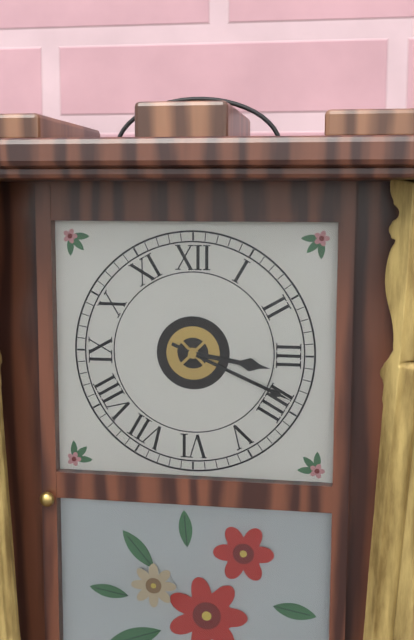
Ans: 3:19
